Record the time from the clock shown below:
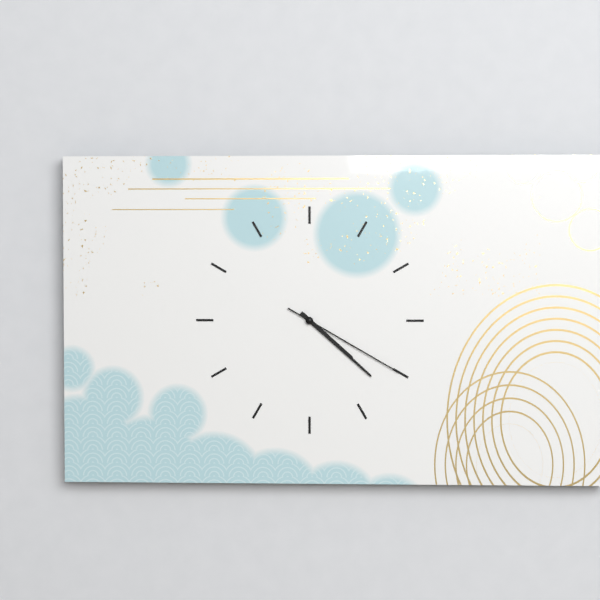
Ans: 4:22:20
